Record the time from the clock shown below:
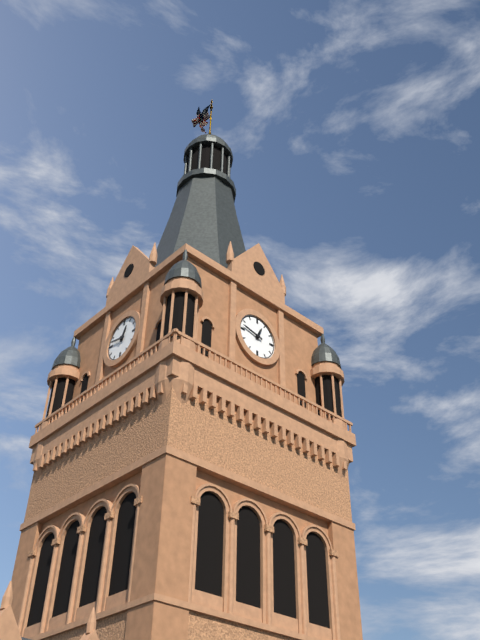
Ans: 12:47
